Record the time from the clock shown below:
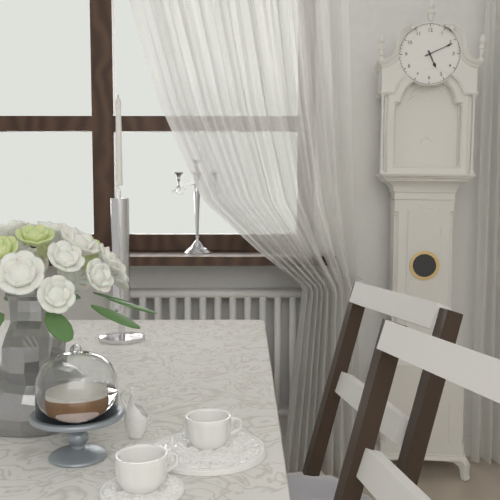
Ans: 5:11
